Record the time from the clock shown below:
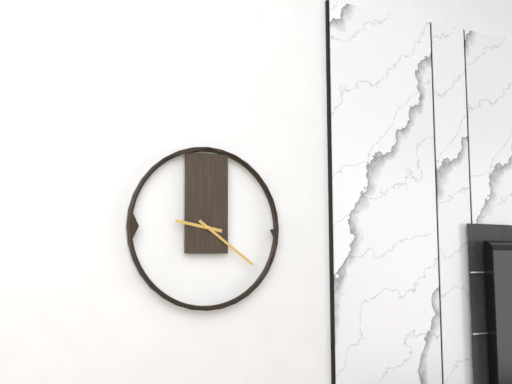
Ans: 9:21
